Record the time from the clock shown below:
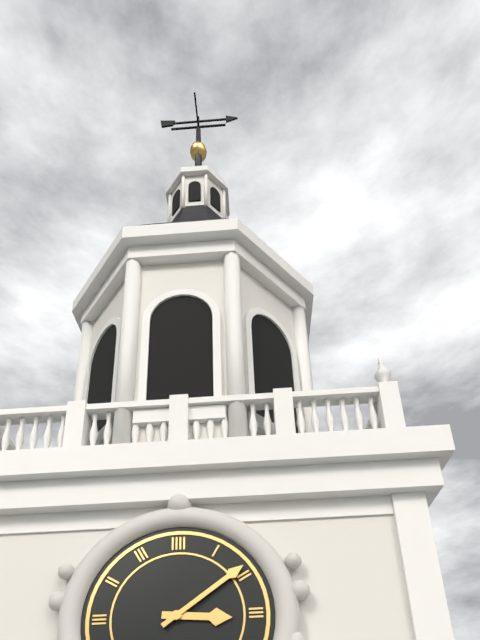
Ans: 3:09
